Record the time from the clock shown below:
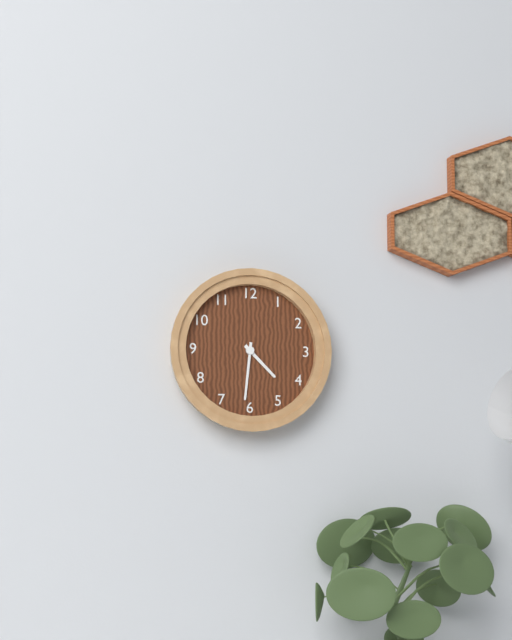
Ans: 4:31
